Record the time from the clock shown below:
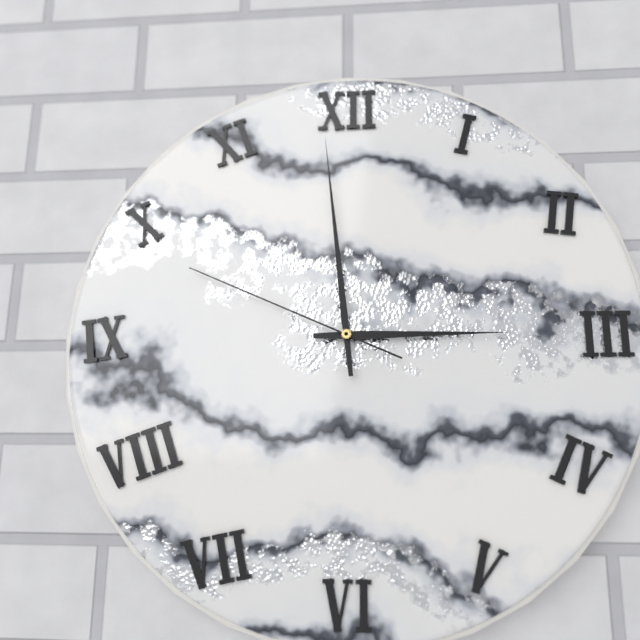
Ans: 2:59:49
